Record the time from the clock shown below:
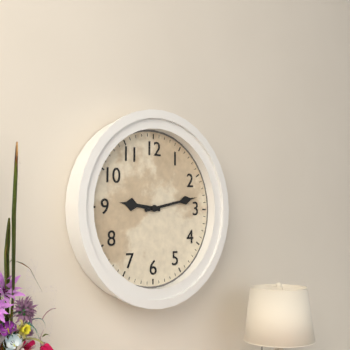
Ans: 9:13
